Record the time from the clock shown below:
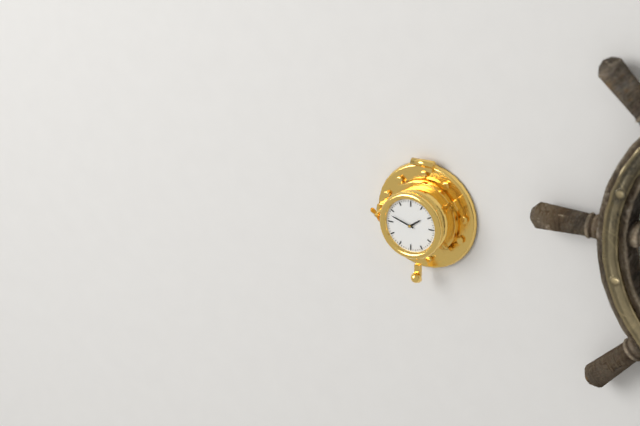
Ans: 1:48
